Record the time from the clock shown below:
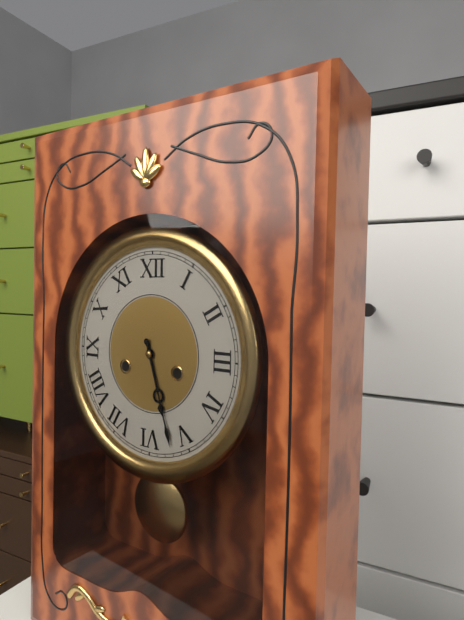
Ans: 5:27
